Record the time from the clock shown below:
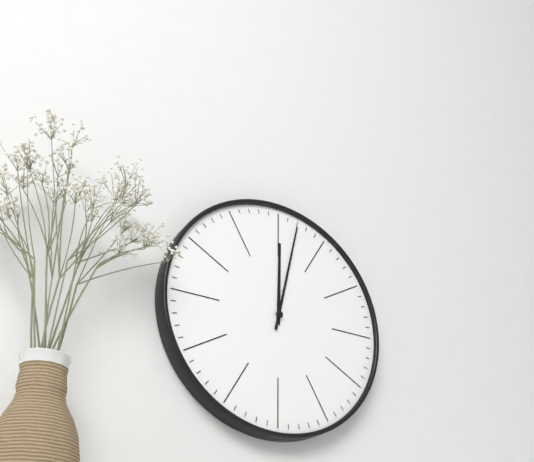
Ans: 12:02
